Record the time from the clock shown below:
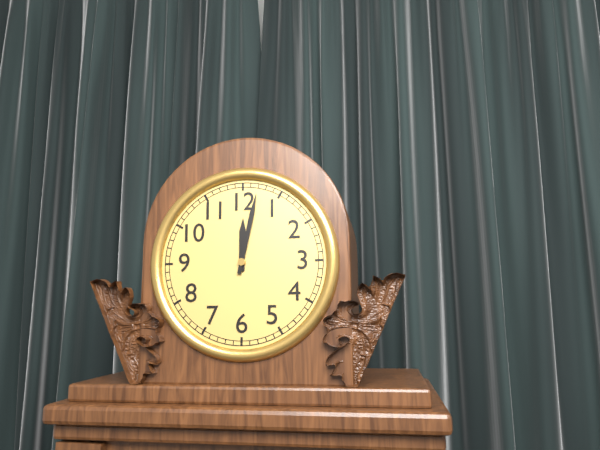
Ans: 12:02
